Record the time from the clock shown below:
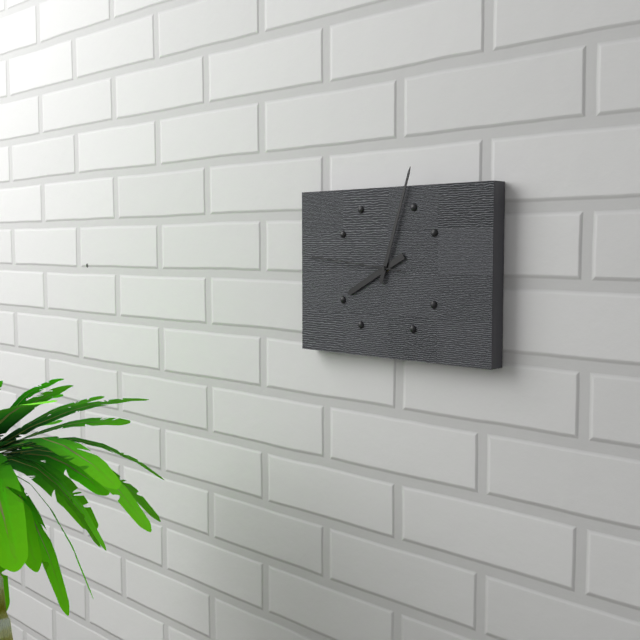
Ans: 8:03:46
